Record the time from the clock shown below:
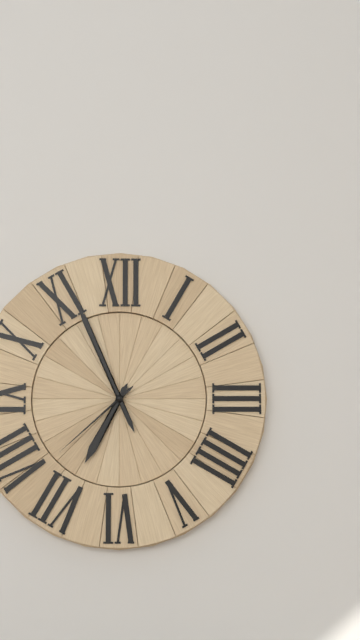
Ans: 6:56:38
